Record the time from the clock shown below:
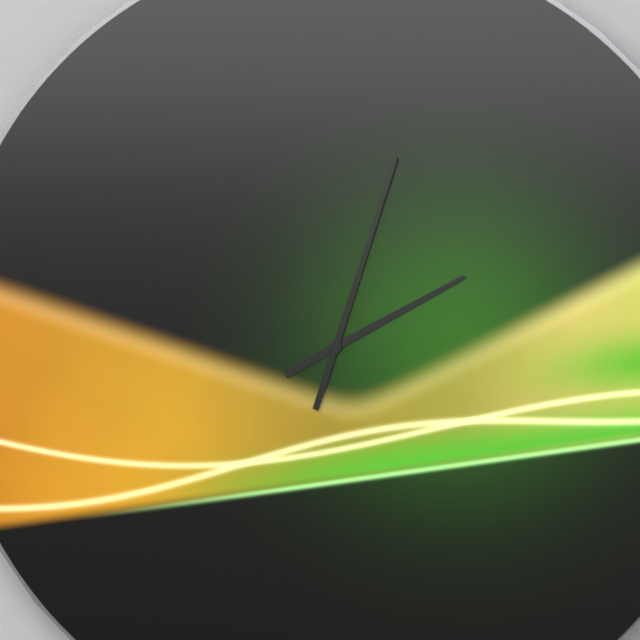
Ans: 2:03
